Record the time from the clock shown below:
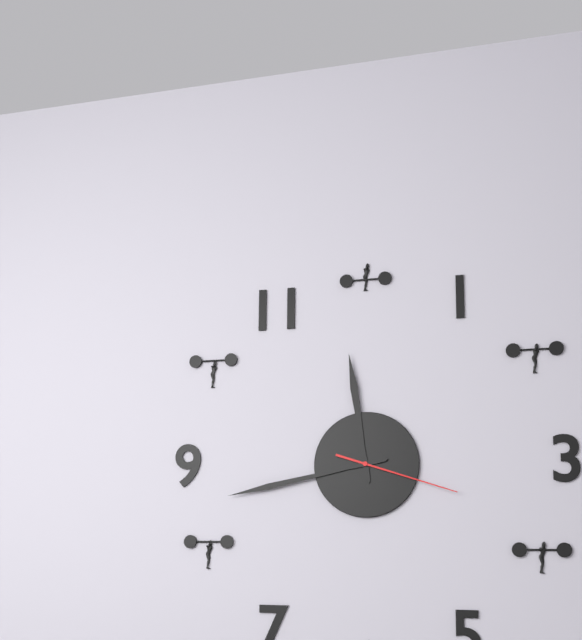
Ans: 11:43:18
